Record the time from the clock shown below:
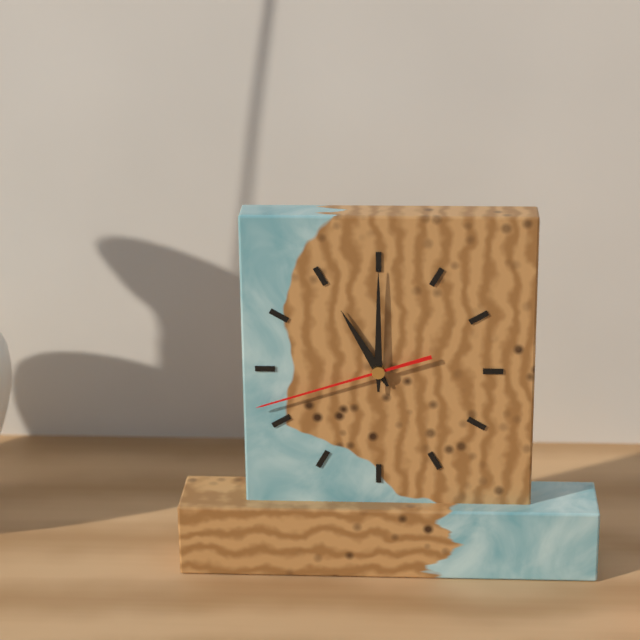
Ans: 11:00:42
